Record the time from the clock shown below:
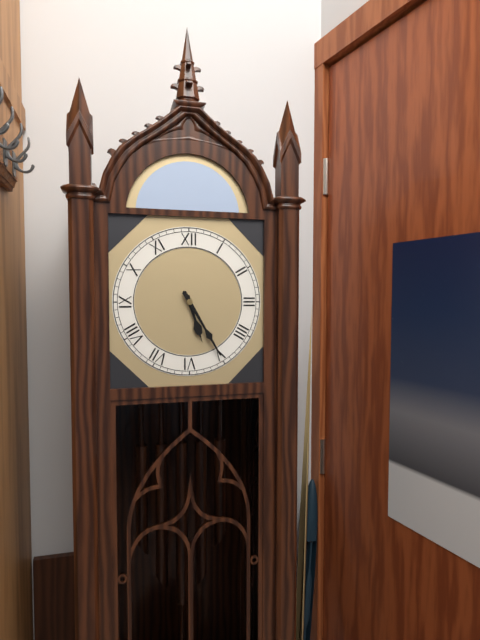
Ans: 5:25
